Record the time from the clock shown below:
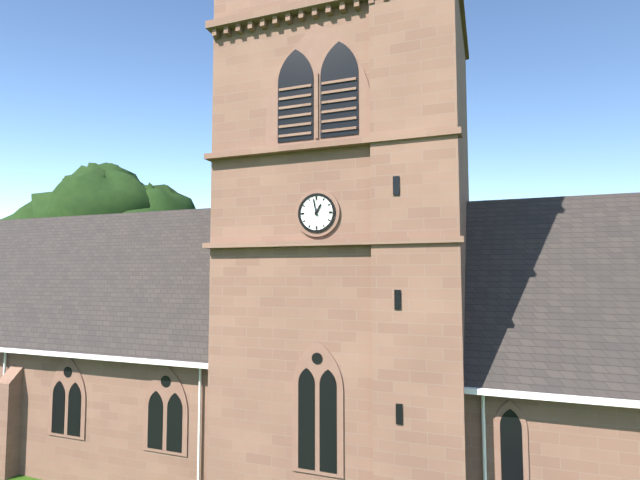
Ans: 12:58
